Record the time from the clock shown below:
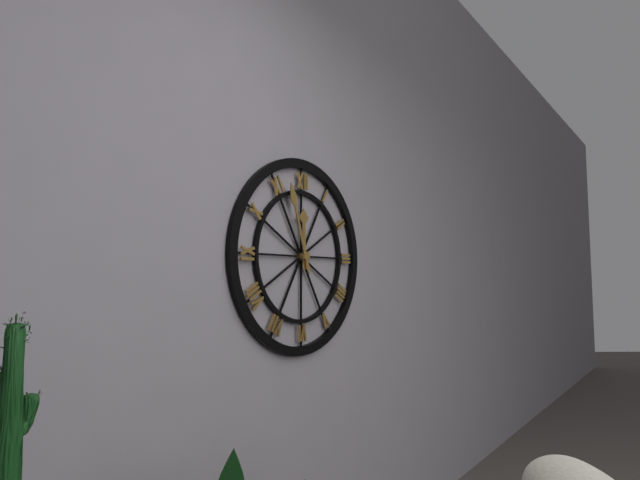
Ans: 11:57
